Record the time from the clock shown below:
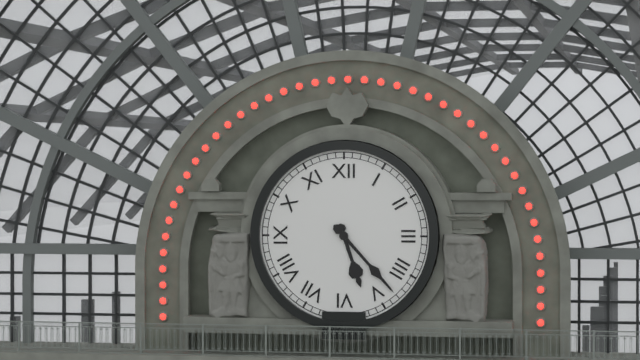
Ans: 5:23
